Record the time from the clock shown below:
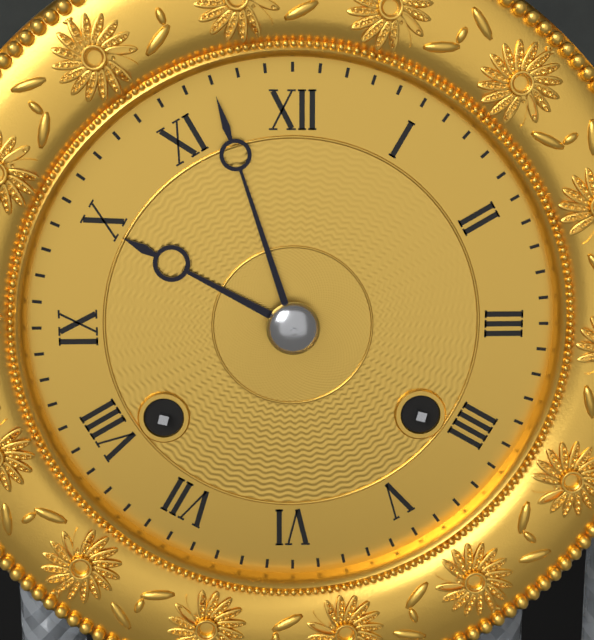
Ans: 9:57
